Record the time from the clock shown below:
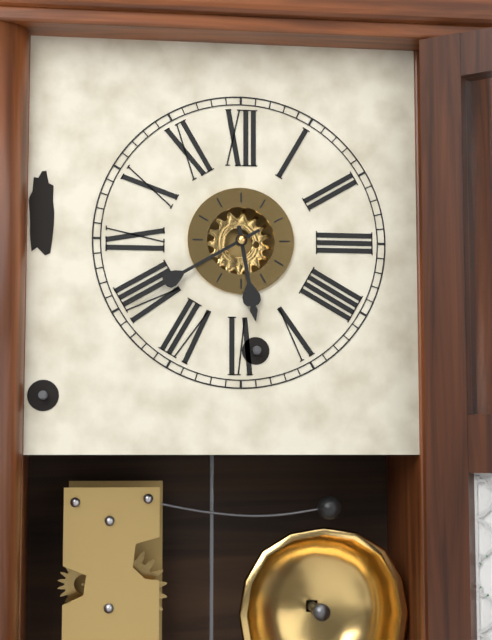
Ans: 5:40
